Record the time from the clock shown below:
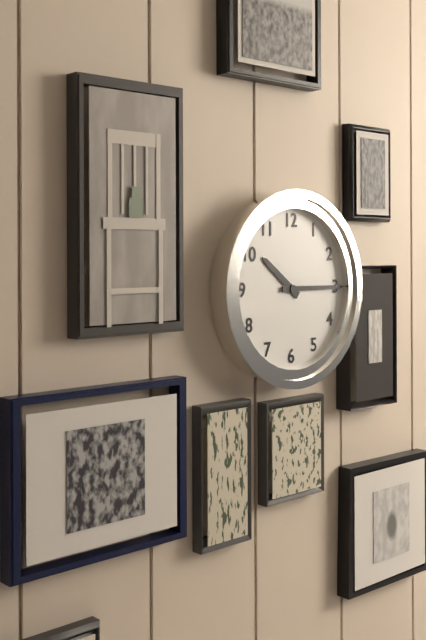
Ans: 10:15
